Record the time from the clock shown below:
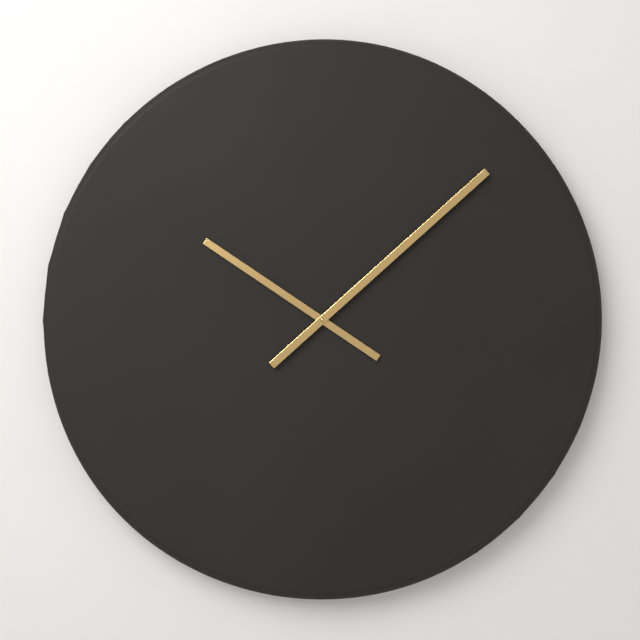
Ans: 10:08
